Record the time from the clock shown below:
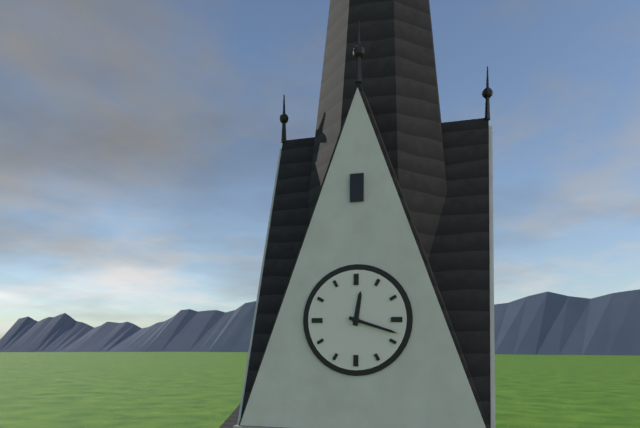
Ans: 12:18
